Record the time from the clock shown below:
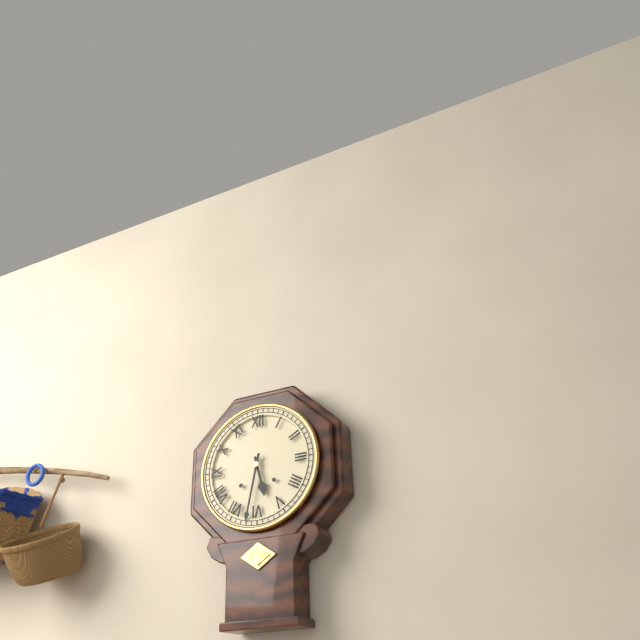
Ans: 5:32
